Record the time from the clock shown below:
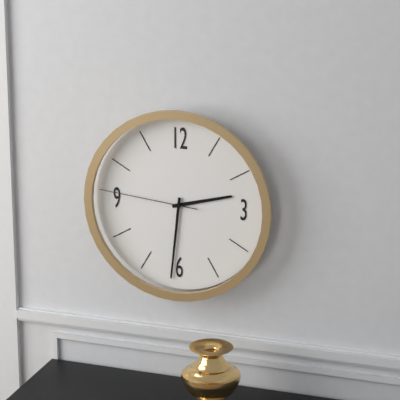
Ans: 2:31:46
